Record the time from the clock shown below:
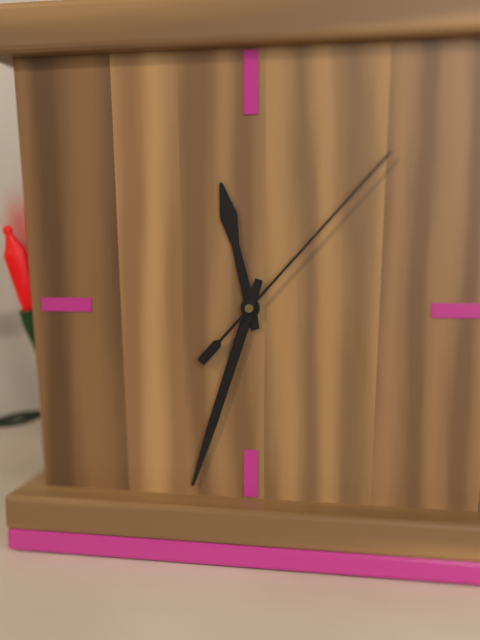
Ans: 11:33:07
